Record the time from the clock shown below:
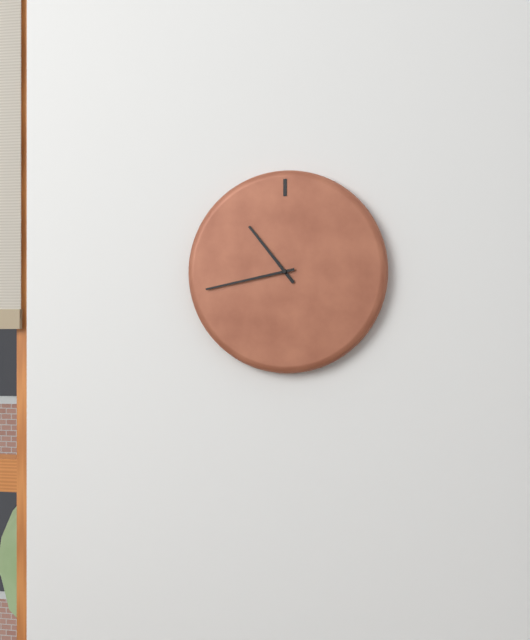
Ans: 10:43
